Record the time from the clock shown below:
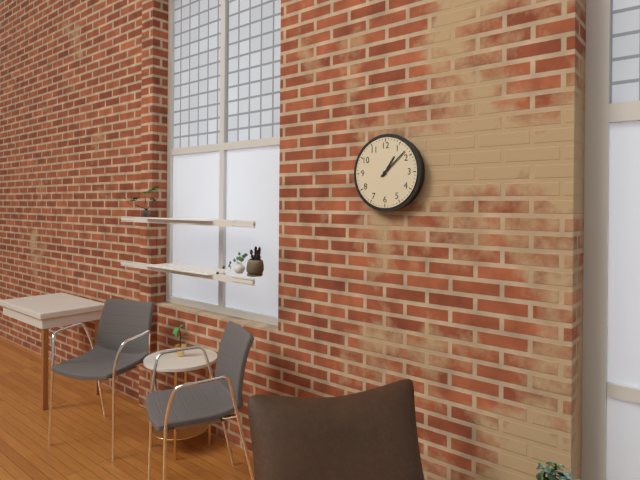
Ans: 1:08
